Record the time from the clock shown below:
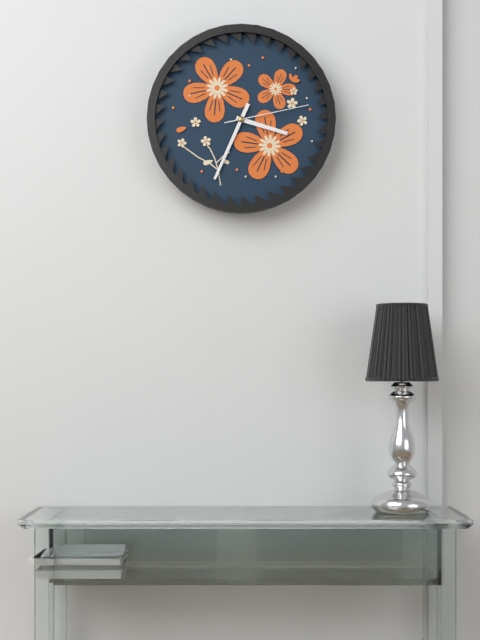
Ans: 3:34:13
